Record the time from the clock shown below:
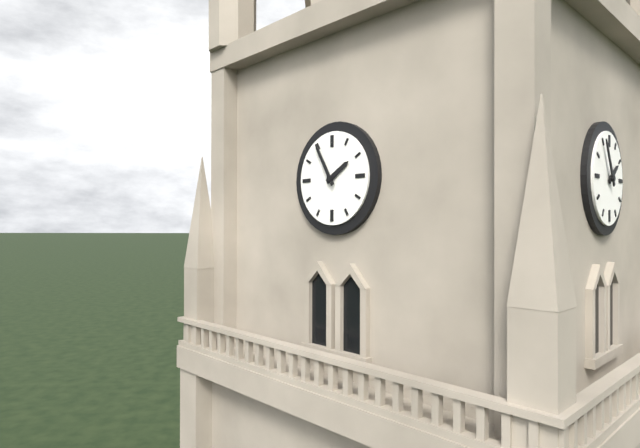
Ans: 1:55
